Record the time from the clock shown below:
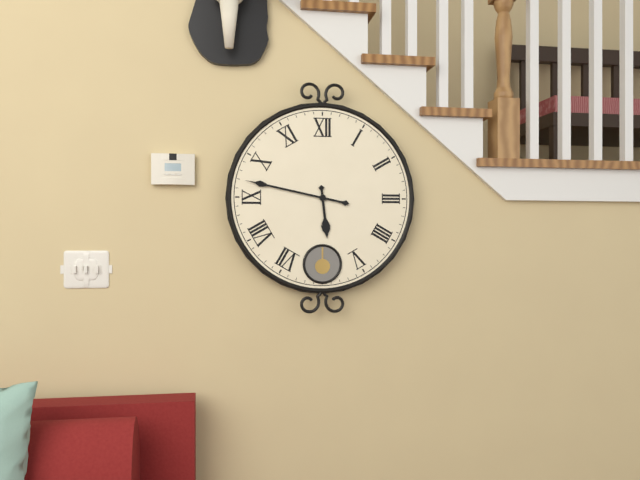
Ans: 5:47
